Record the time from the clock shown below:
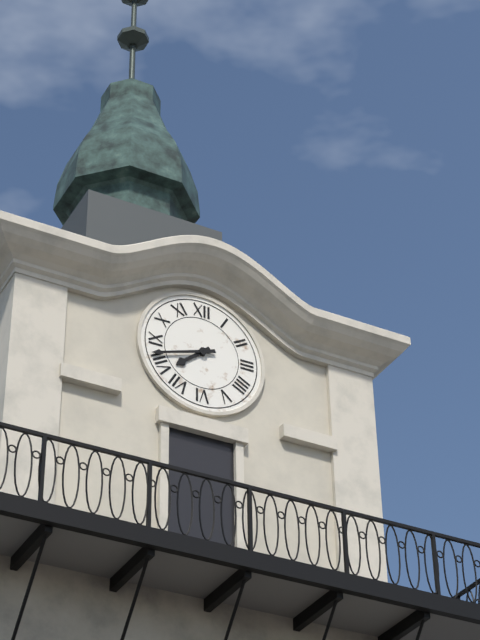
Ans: 7:42
